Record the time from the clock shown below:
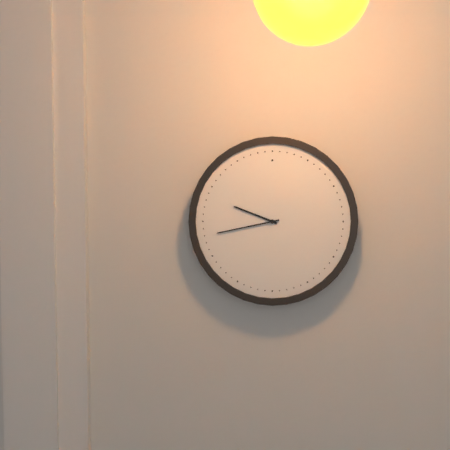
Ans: 9:43
